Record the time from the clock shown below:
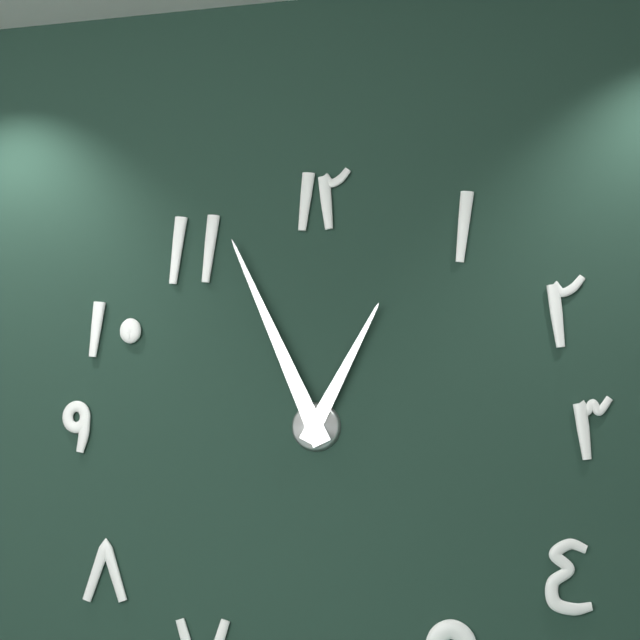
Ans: 12:56
